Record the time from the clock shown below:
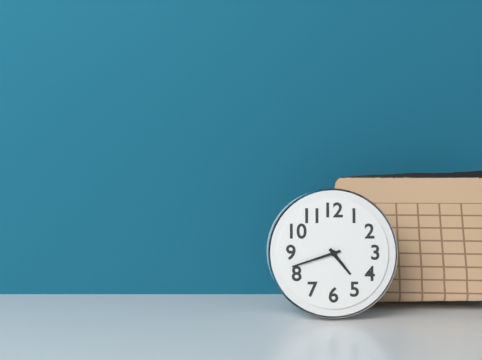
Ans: 4:42
